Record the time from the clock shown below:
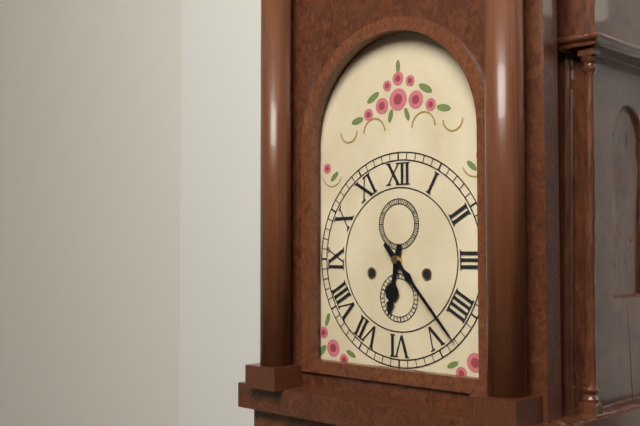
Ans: 6:23
